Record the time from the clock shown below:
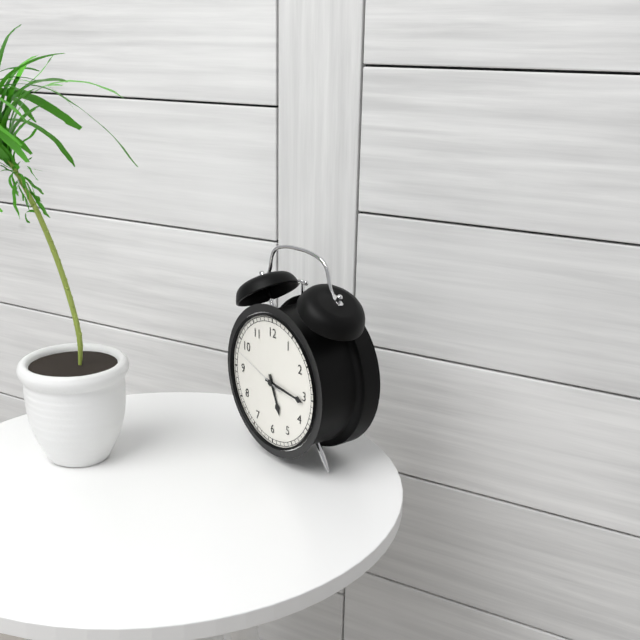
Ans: 5:16:48
